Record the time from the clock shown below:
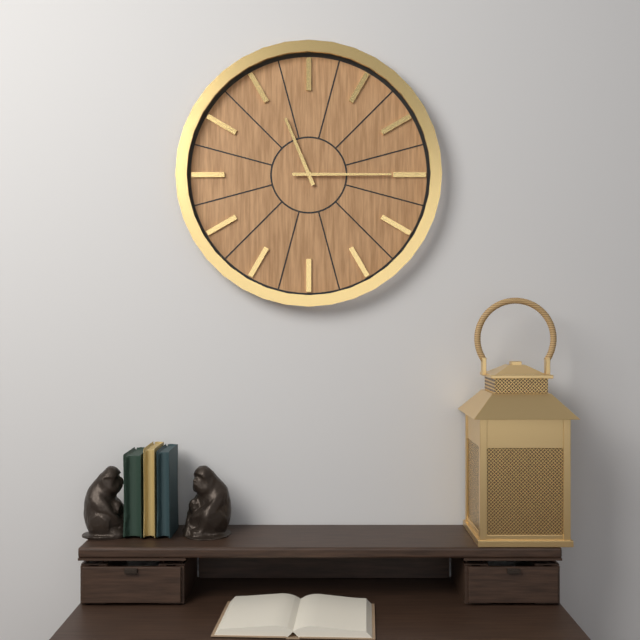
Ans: 11:15
